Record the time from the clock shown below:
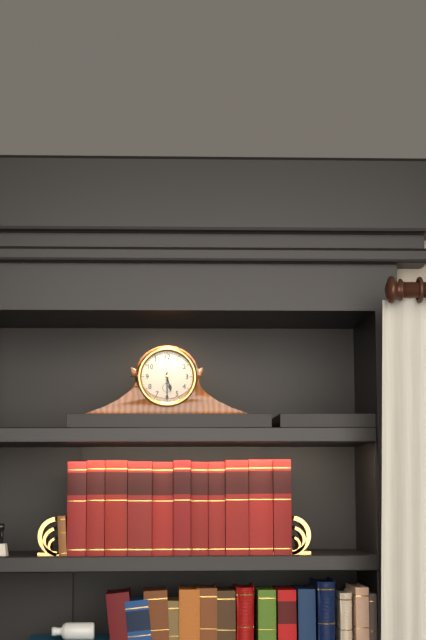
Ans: 5:30
